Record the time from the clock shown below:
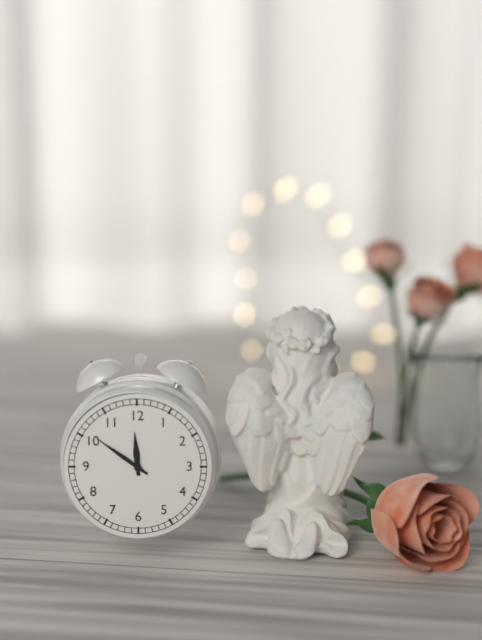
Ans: 11:51
